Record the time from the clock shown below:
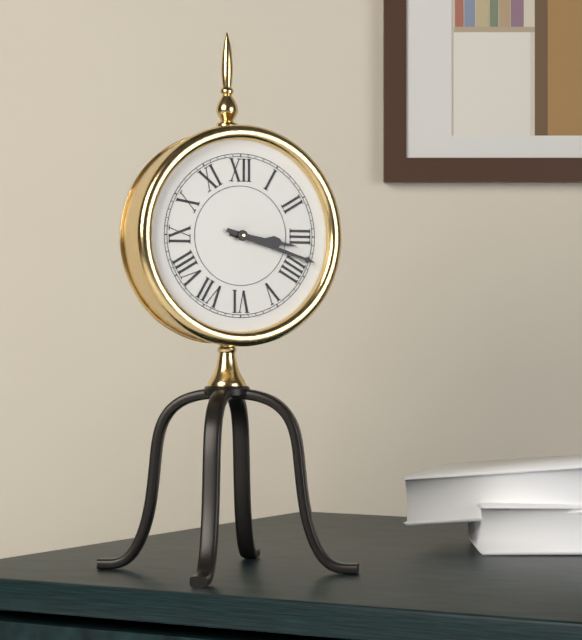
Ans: 3:18
